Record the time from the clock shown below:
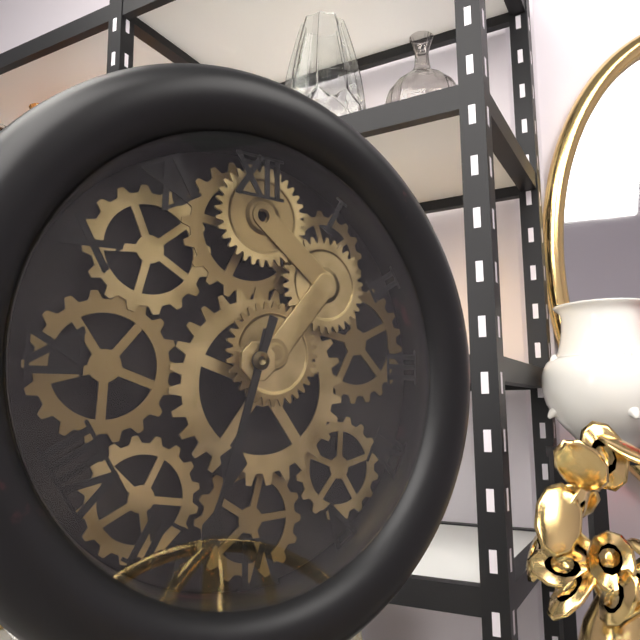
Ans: 6:33
